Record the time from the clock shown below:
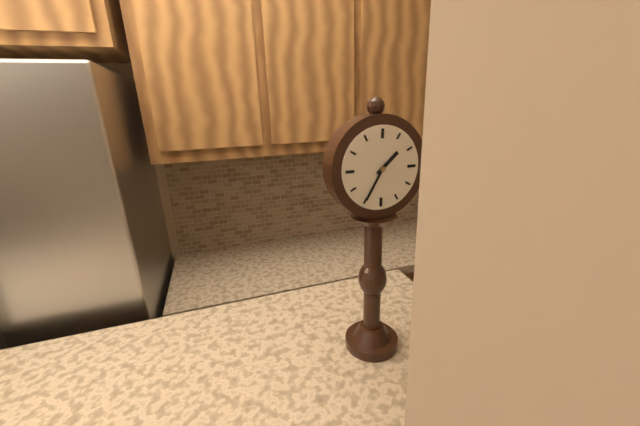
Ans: 1:35
